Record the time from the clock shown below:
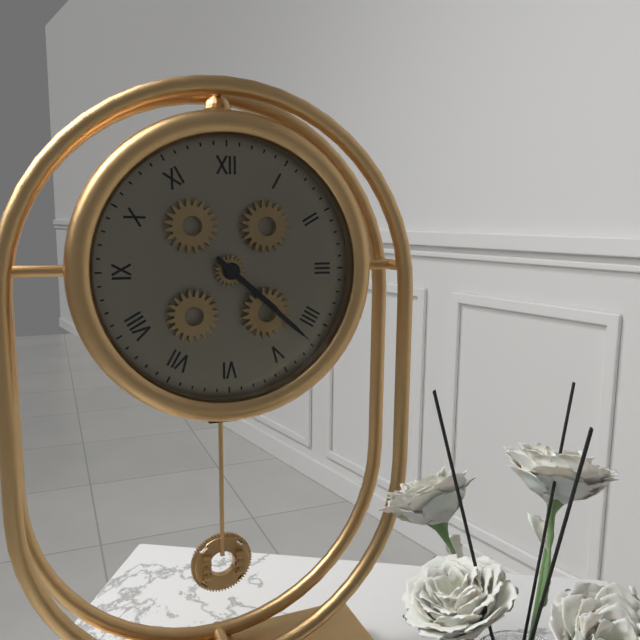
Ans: 4:22
